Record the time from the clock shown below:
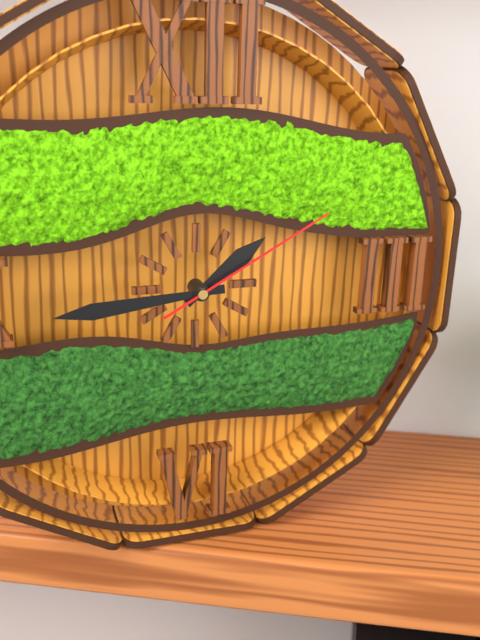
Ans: 1:44:10
